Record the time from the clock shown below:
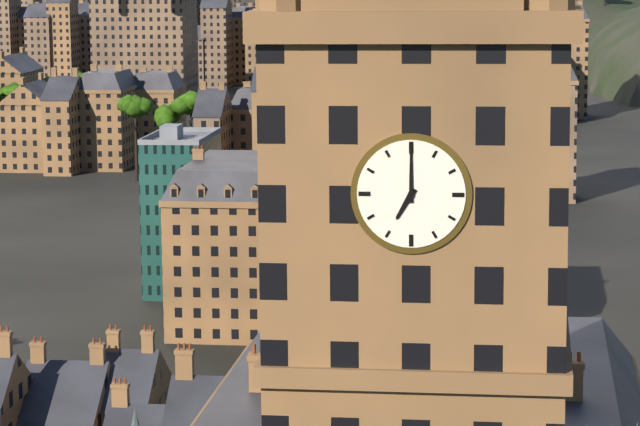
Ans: 7:00
